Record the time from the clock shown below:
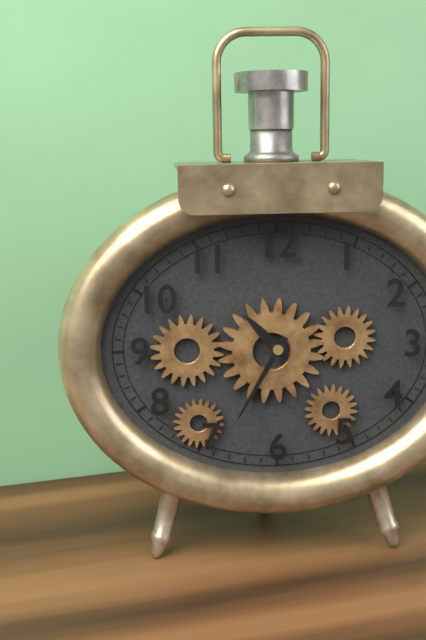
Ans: 10:35
